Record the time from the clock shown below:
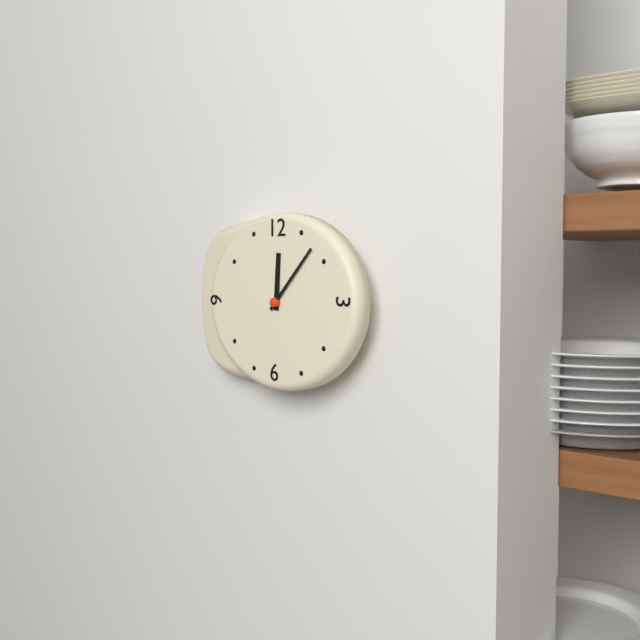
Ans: 12:07
